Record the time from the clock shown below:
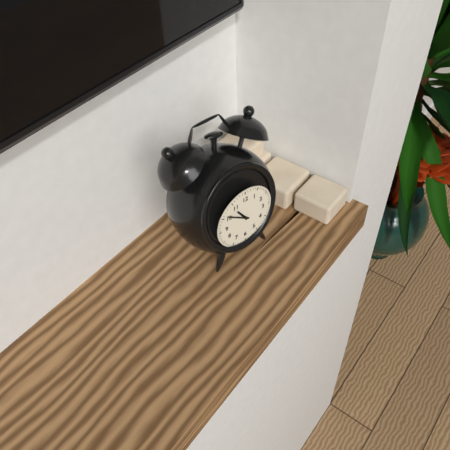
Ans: 10:51
